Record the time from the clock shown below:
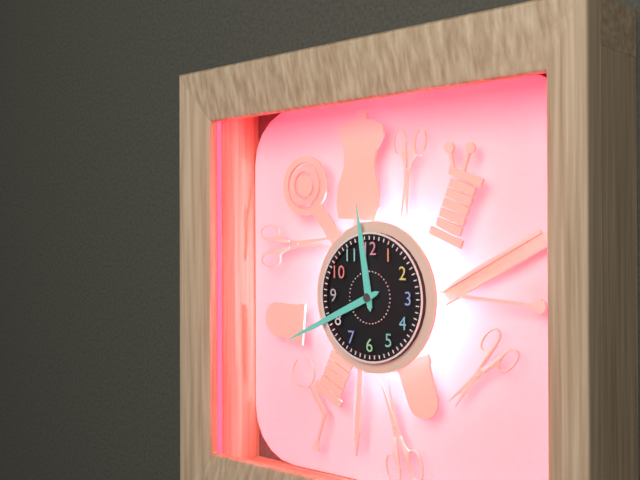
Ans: 11:41
